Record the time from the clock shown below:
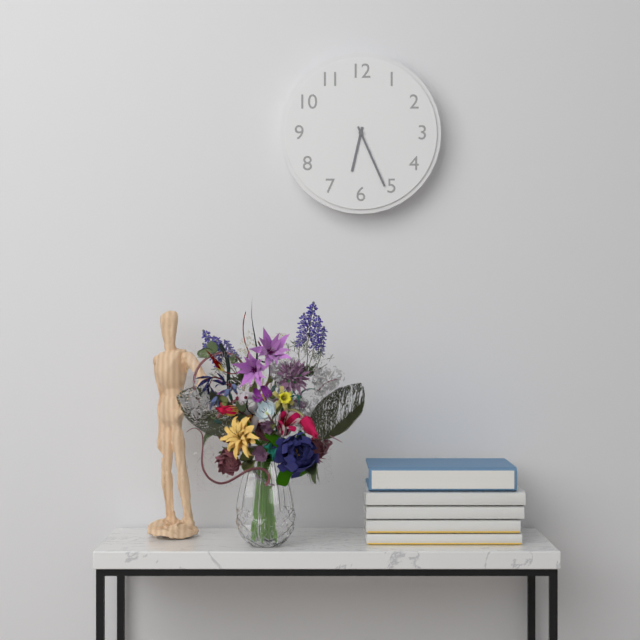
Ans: 6:26
